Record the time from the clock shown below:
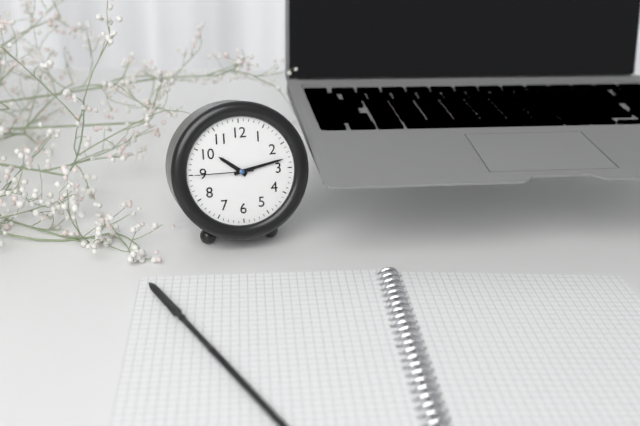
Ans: 10:13:45
